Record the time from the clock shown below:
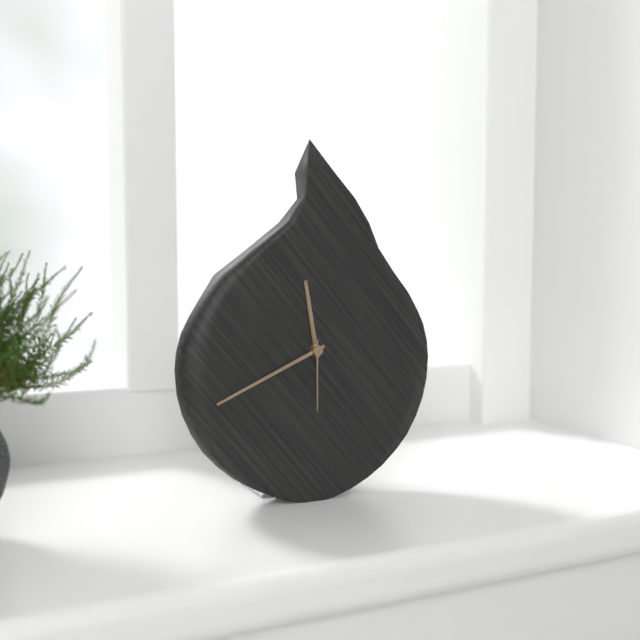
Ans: 11:41:30
